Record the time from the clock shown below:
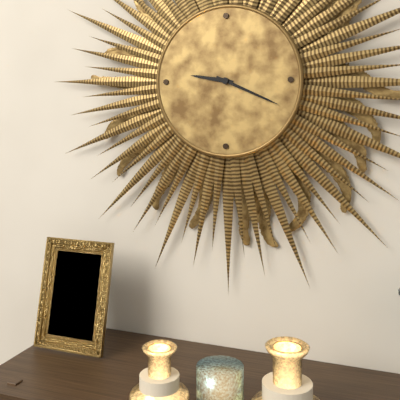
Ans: 9:19
